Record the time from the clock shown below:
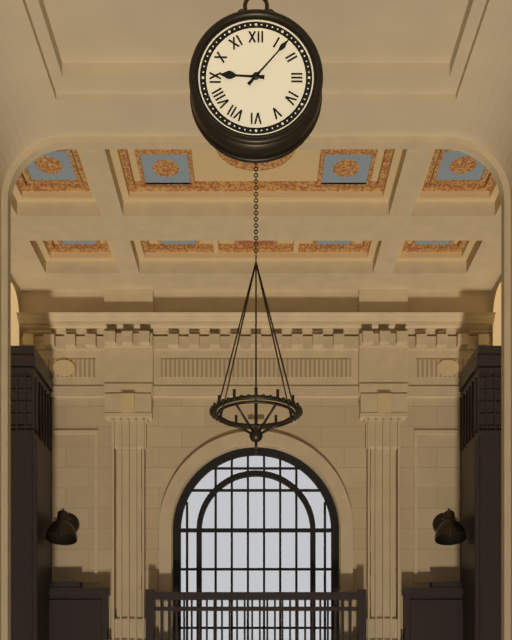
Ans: 9:07
